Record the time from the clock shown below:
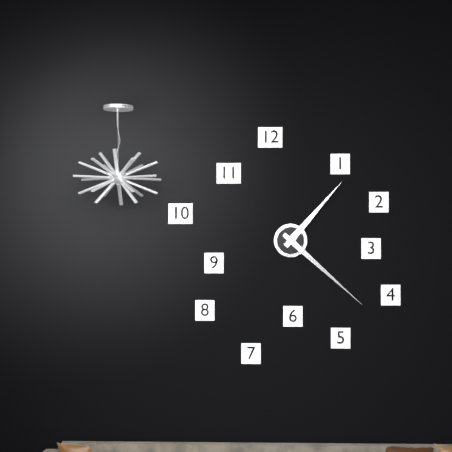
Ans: 1:22
